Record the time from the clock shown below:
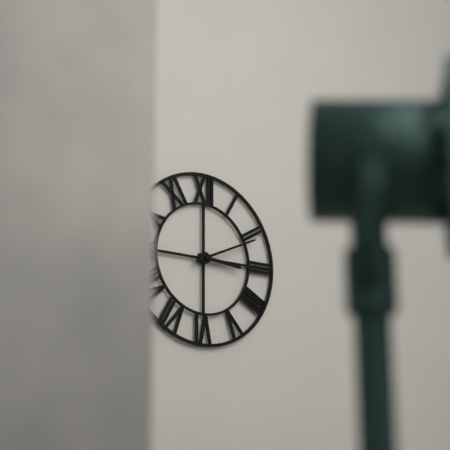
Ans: 3:11
